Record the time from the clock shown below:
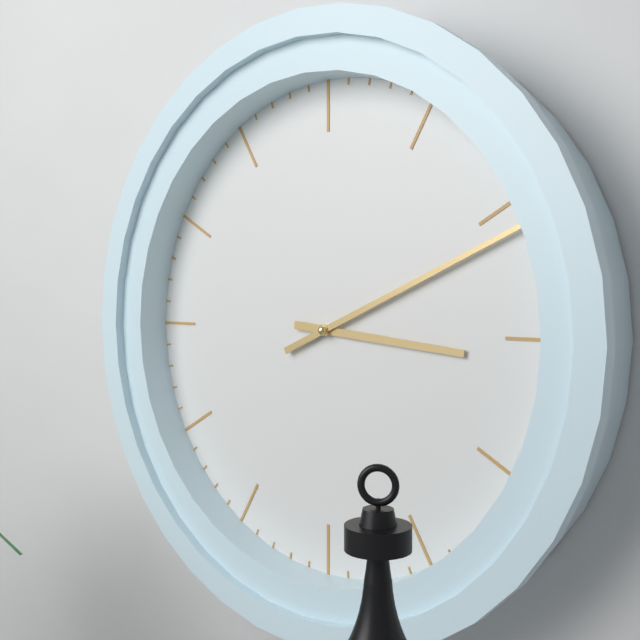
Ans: 3:11
